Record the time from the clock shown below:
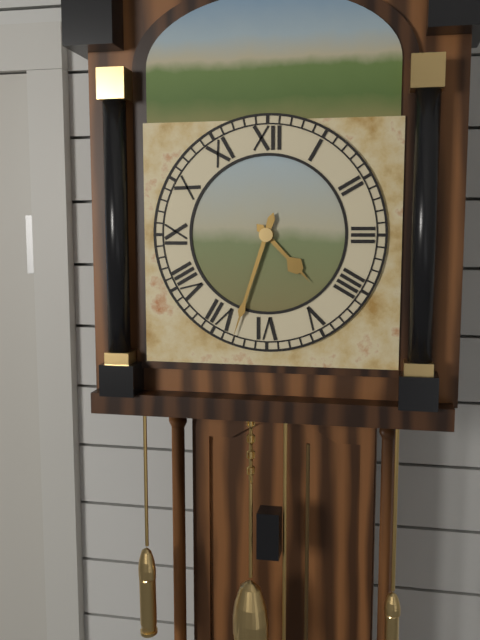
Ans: 4:33
